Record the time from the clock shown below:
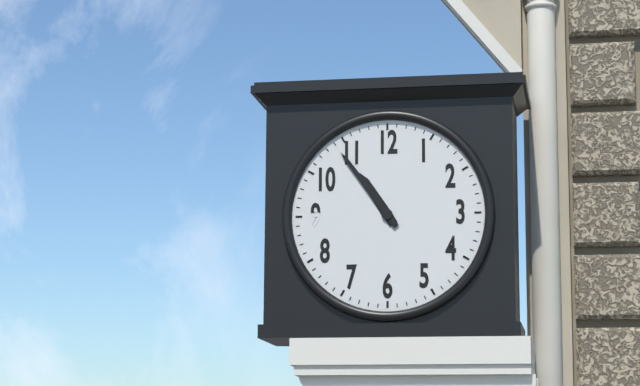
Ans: 10:54
